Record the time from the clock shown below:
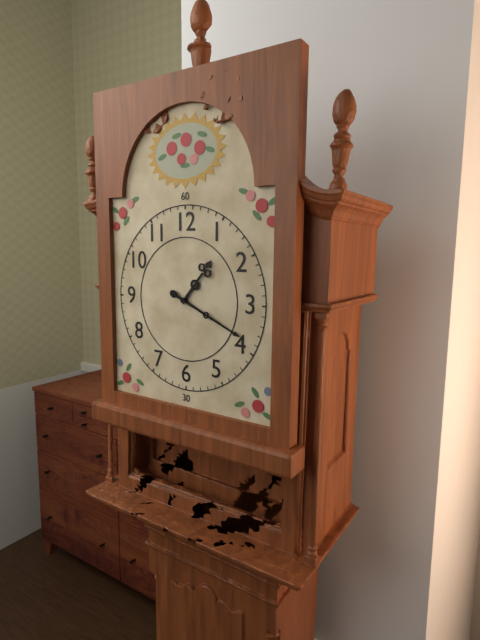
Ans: 1:19
